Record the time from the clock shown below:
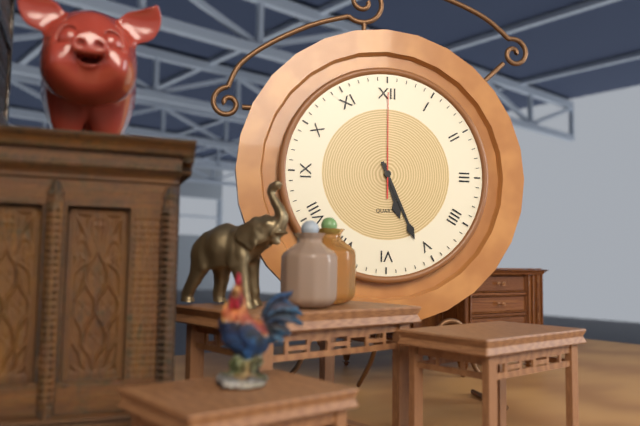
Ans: 5:26:00
